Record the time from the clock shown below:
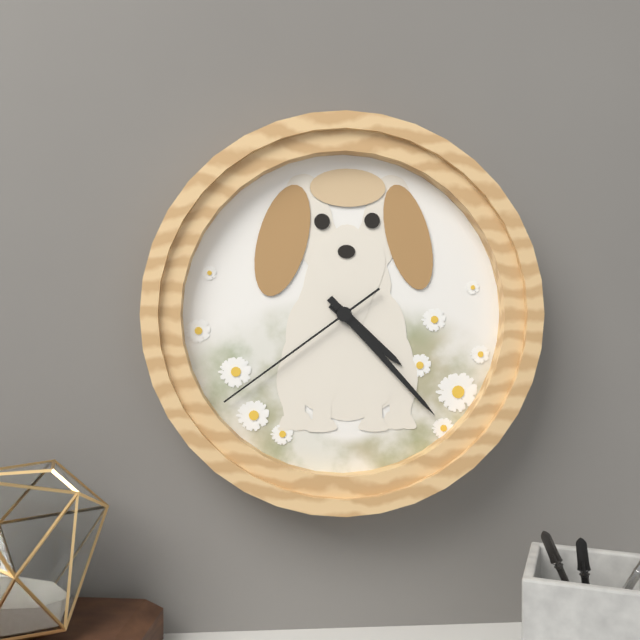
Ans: 4:23:39
